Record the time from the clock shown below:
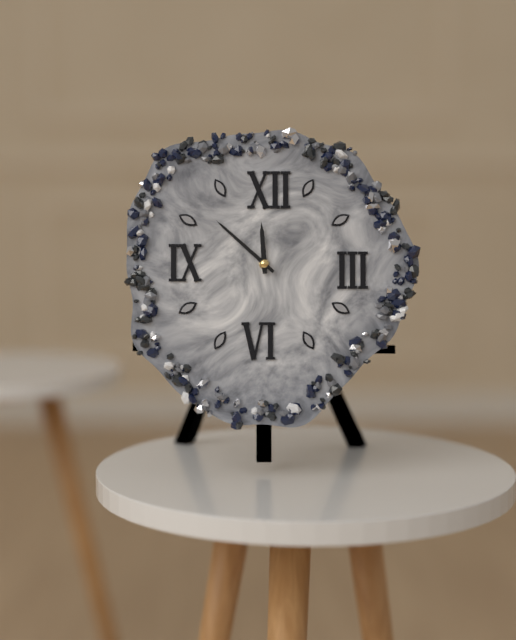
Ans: 11:52
